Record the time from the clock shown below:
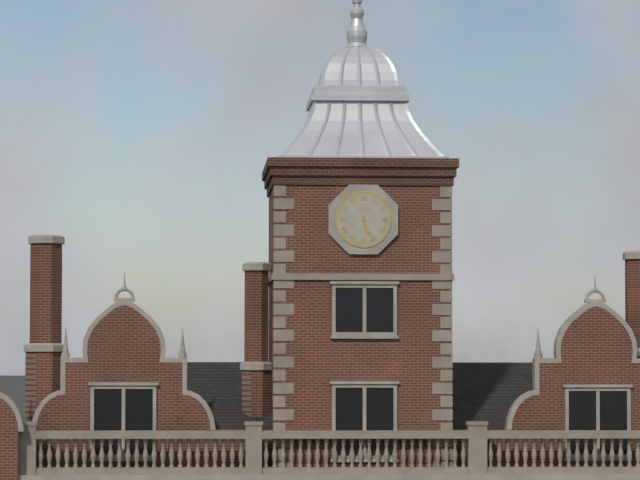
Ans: 5:26
